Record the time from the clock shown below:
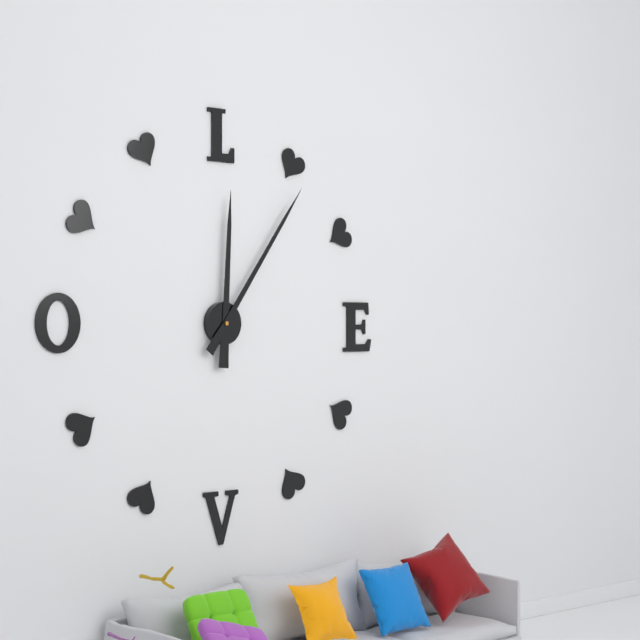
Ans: 12:06
